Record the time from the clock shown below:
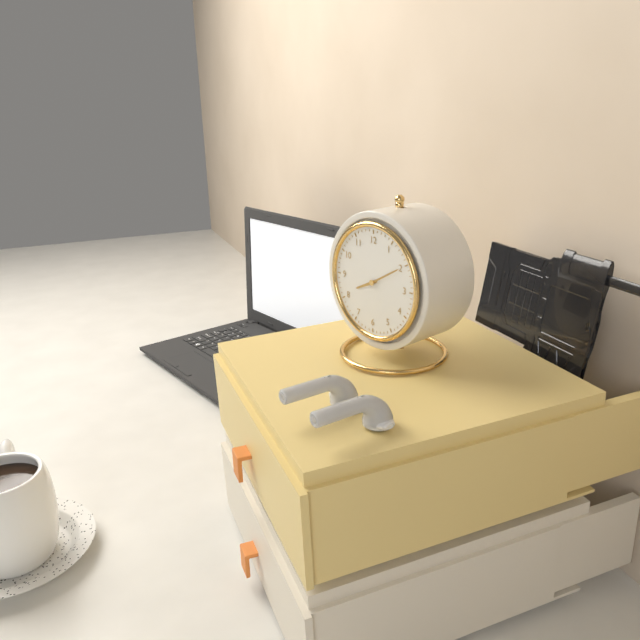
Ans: 8:10
